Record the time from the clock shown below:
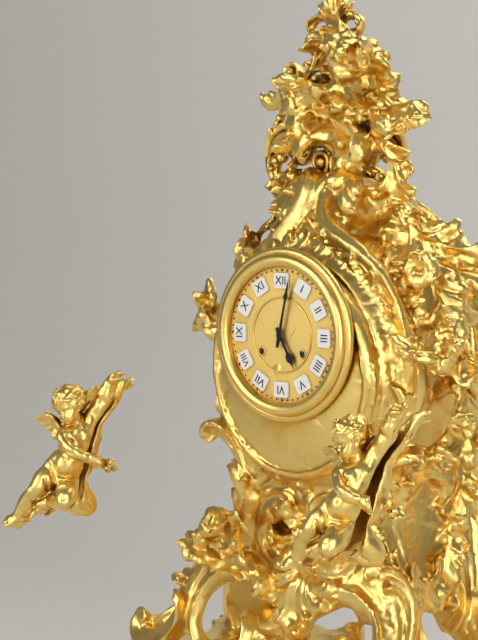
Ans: 5:02
